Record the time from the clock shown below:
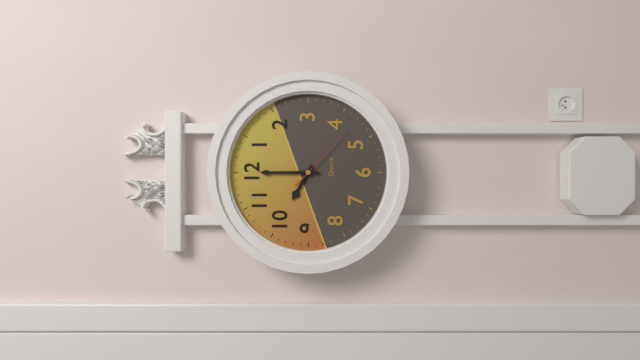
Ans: 10:00:22
